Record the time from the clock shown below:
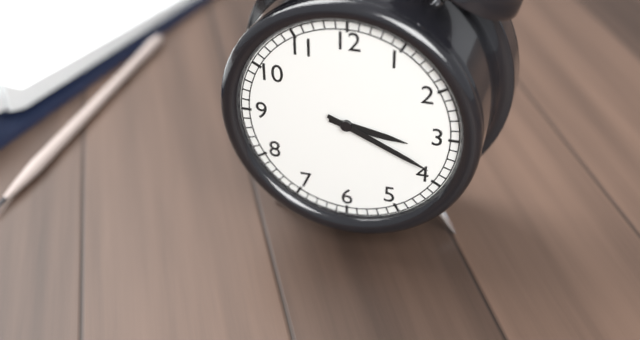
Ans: 3:19
